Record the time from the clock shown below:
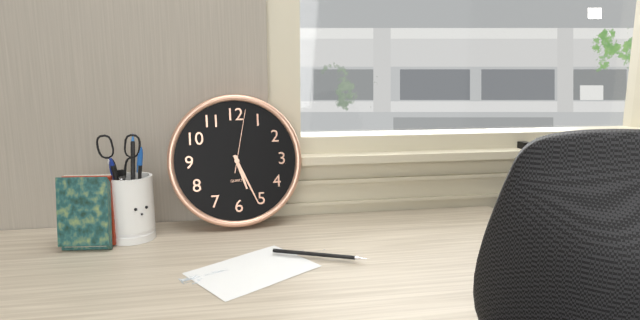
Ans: 5:26:02
